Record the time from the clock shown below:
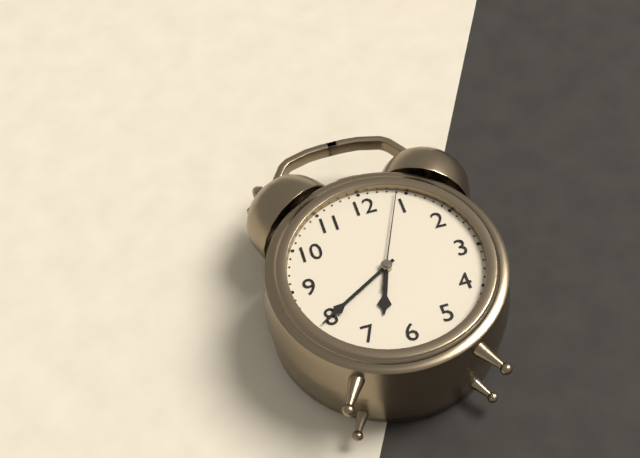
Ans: 6:40:04
